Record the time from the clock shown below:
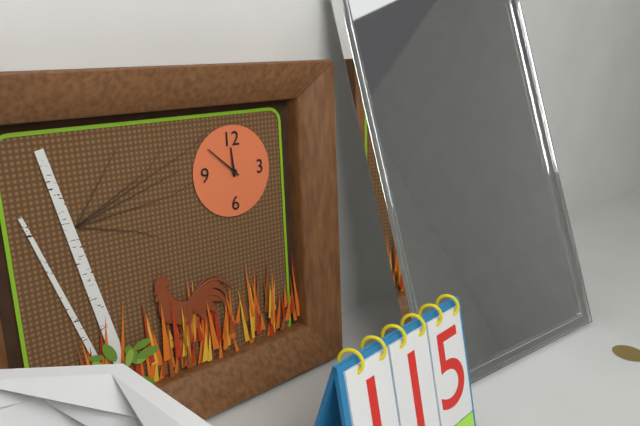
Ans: 11:52
